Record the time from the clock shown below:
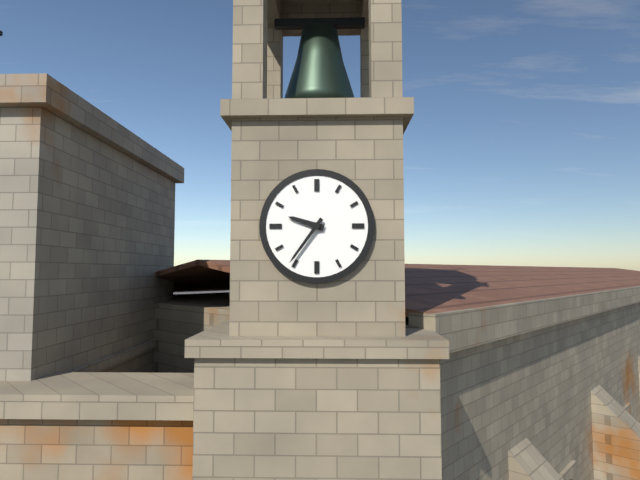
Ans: 9:36
